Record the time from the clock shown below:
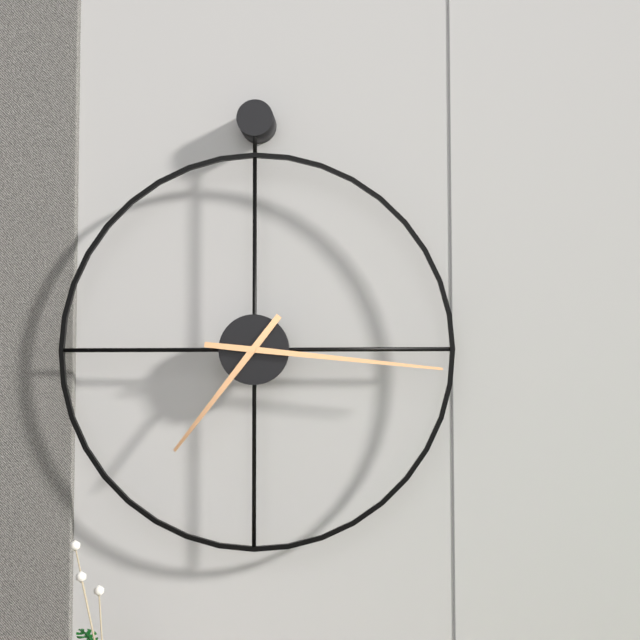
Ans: 7:16
